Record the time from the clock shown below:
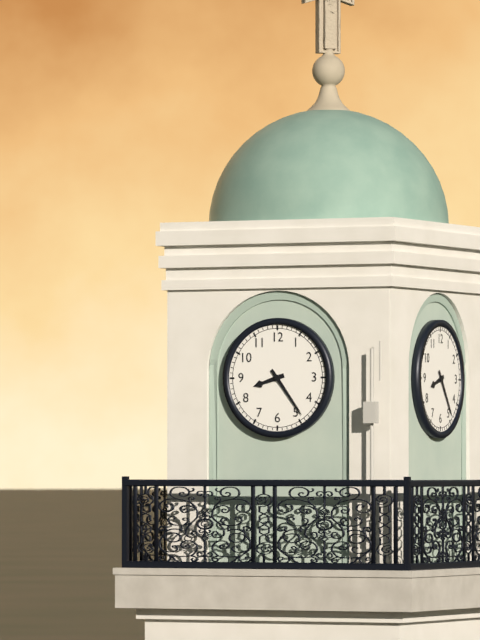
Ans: 8:24
